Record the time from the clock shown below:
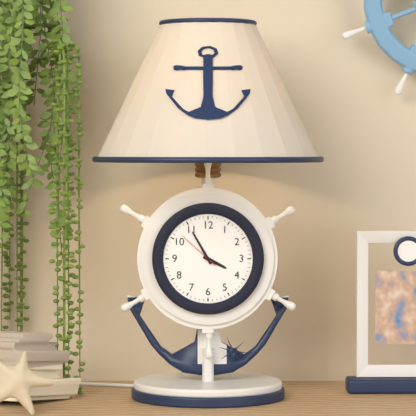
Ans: 3:55
